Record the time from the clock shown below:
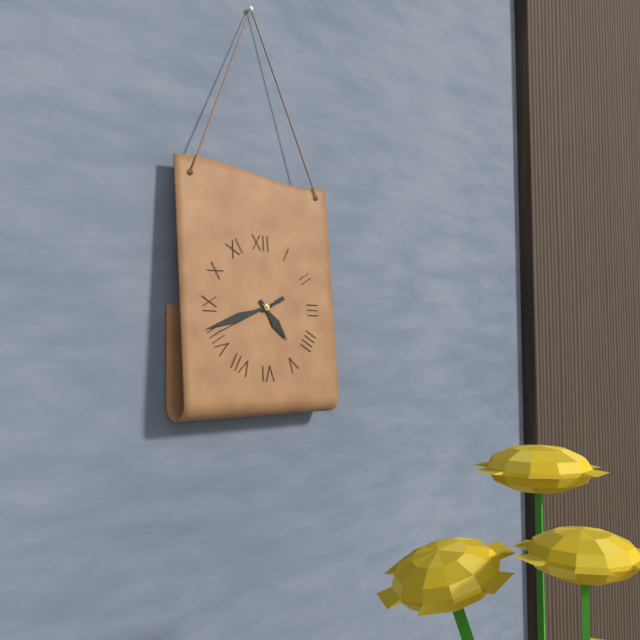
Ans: 4:42:41
